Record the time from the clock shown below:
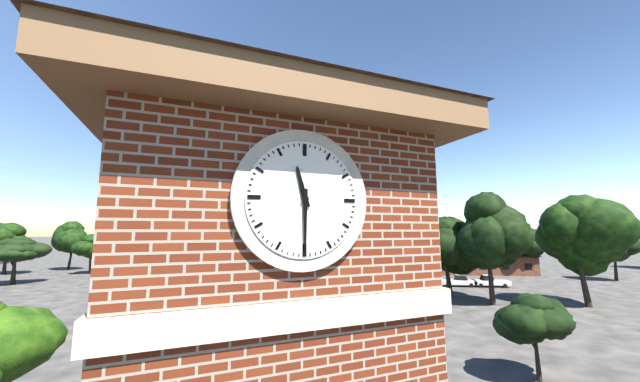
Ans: 11:30
